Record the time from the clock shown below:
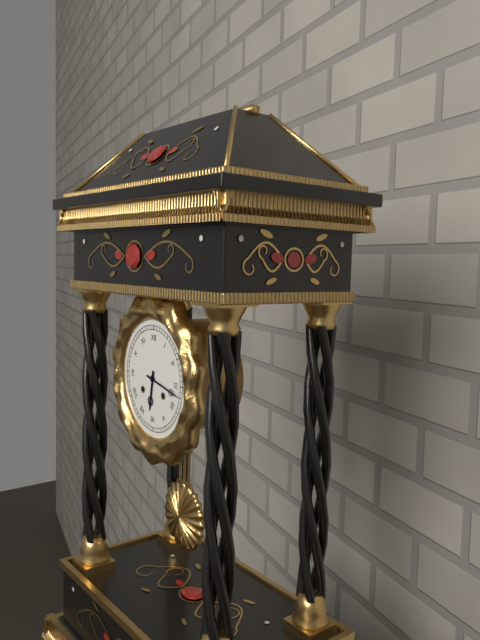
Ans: 6:17
